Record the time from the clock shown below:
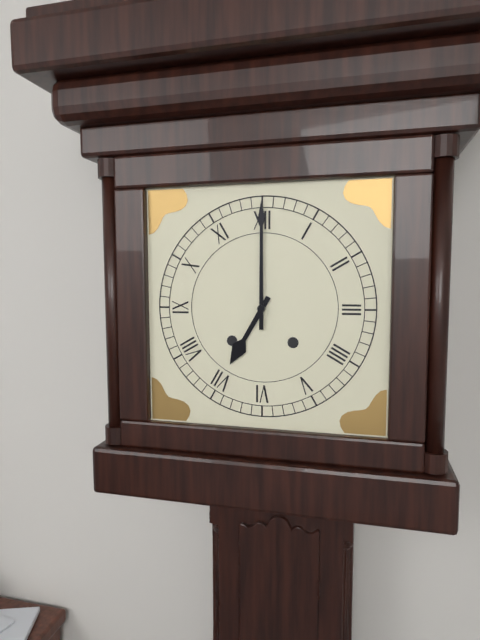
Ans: 7:00
